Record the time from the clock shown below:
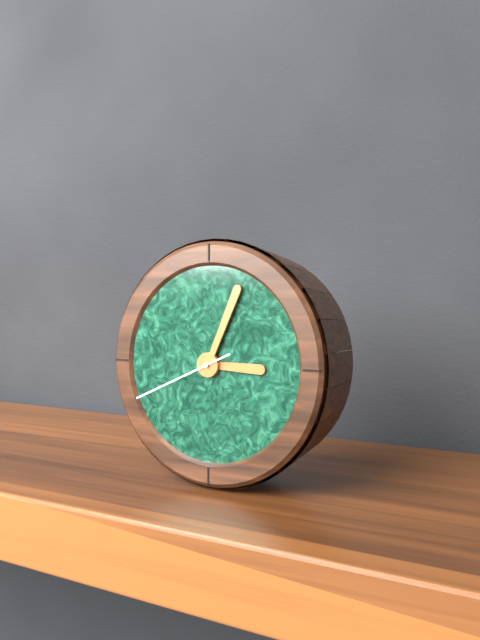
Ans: 3:04:41
